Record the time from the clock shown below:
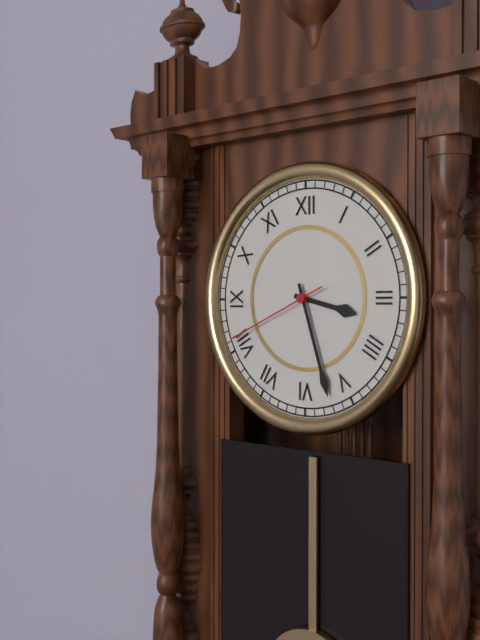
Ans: 3:27:41
